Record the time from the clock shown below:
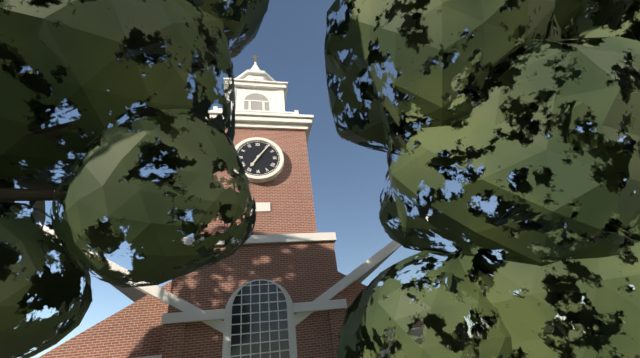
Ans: 7:06
